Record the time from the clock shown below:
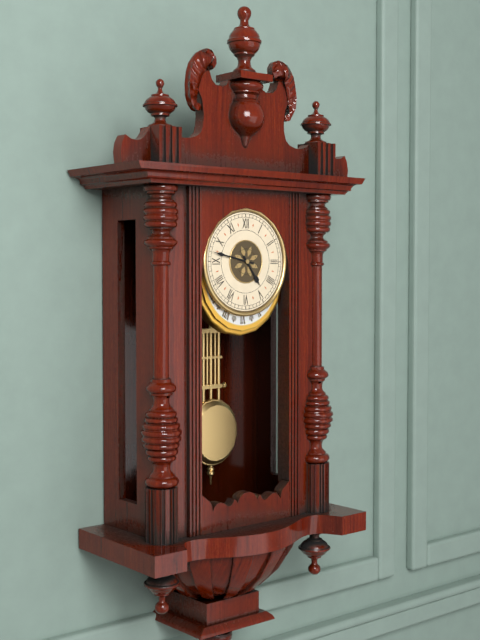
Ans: 4:47
